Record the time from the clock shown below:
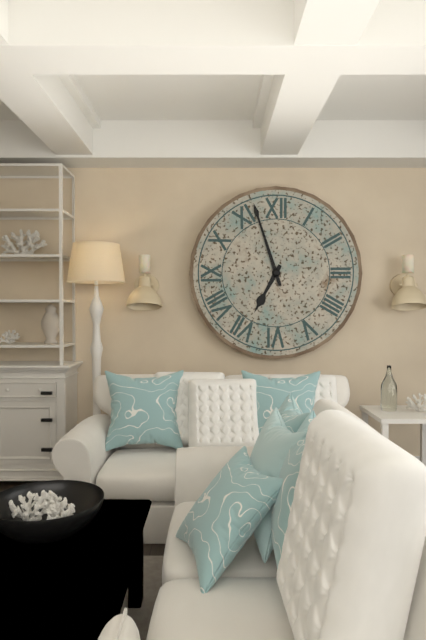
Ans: 6:57
